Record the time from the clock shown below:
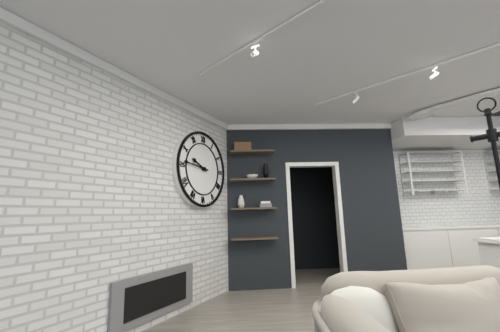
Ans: 9:46
